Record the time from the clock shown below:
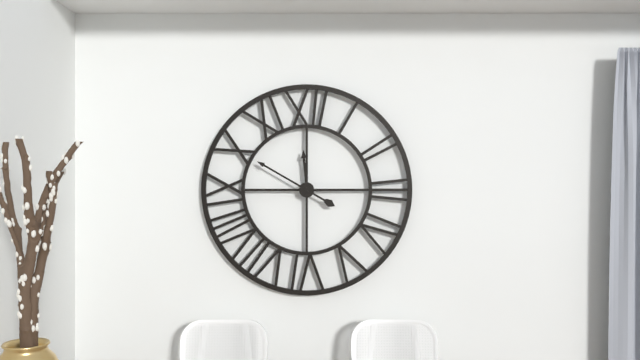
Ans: 11:50
